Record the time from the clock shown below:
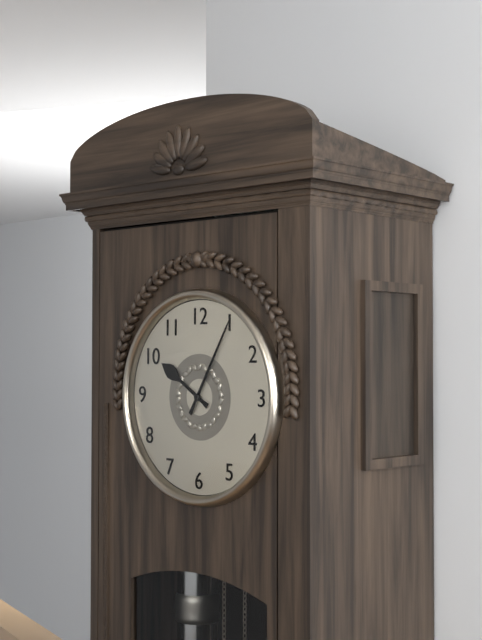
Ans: 10:05
